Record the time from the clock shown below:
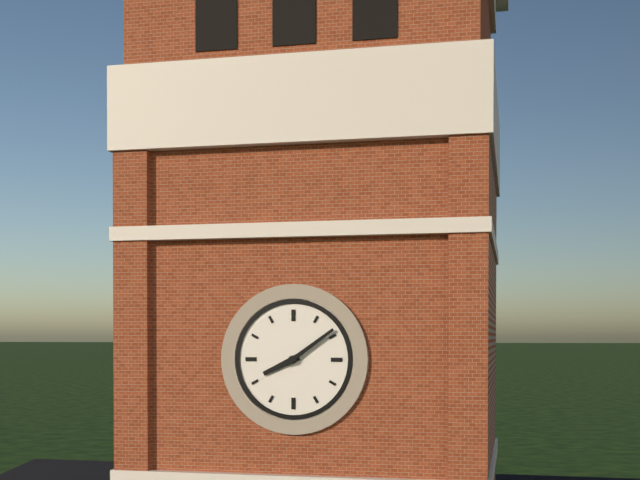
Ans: 8:09
